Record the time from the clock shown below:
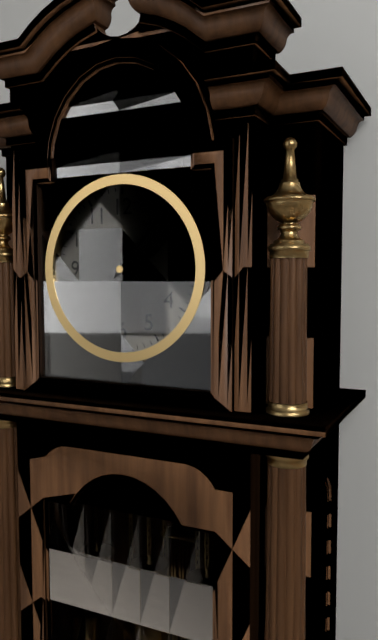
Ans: 2:07
